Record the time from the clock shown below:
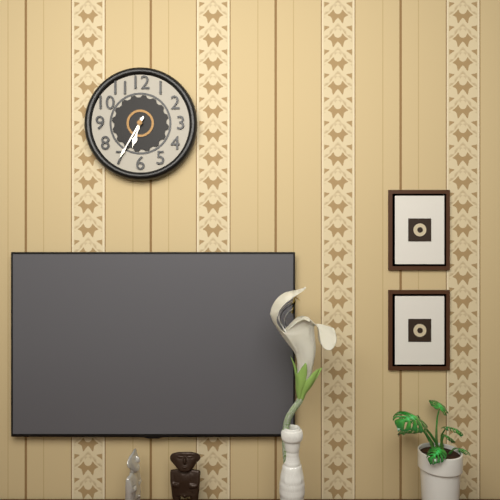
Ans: 6:35
